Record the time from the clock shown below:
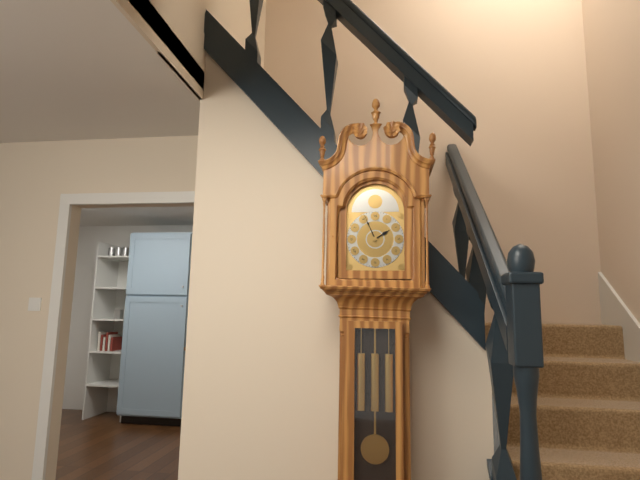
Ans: 1:56
